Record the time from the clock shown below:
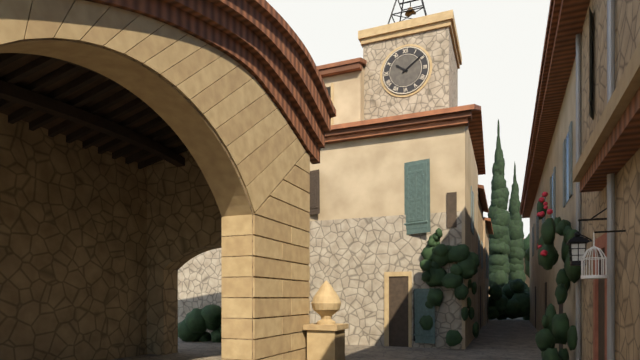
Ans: 10:09
